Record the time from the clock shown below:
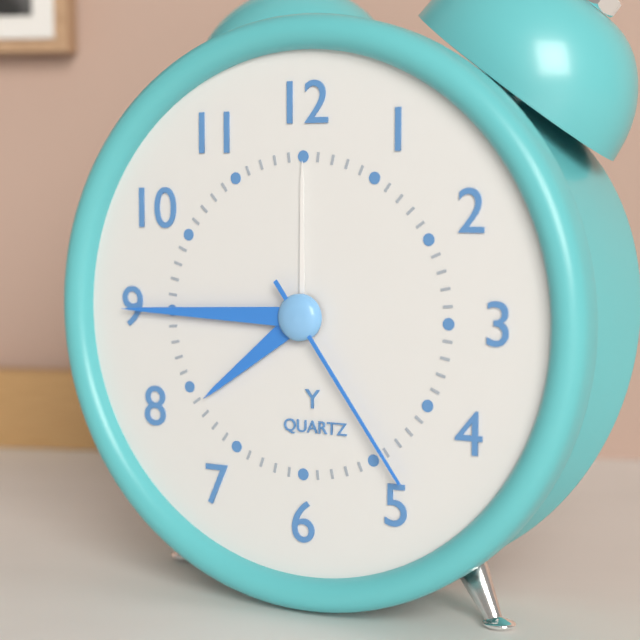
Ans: 7:45:24
